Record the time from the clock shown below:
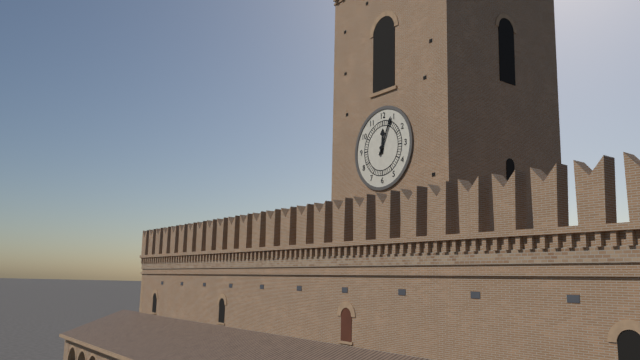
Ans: 12:04
